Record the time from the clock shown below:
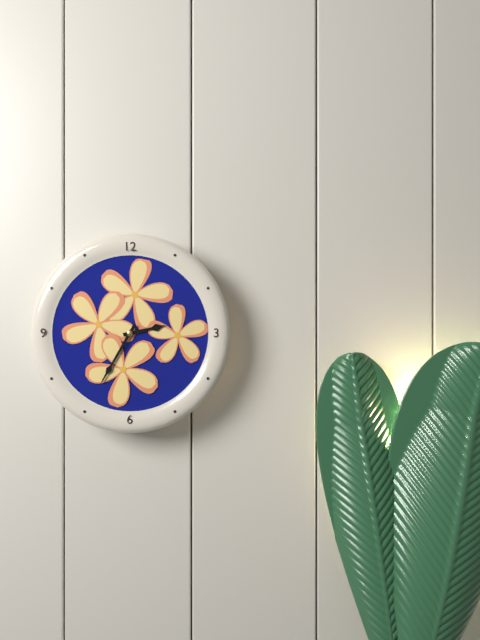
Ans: 2:35
